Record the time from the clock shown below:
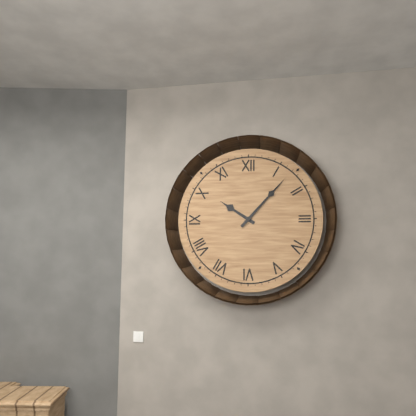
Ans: 10:07
